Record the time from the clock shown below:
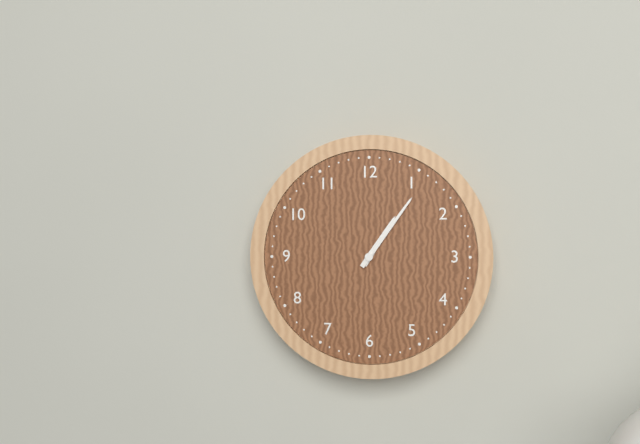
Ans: 1:06
